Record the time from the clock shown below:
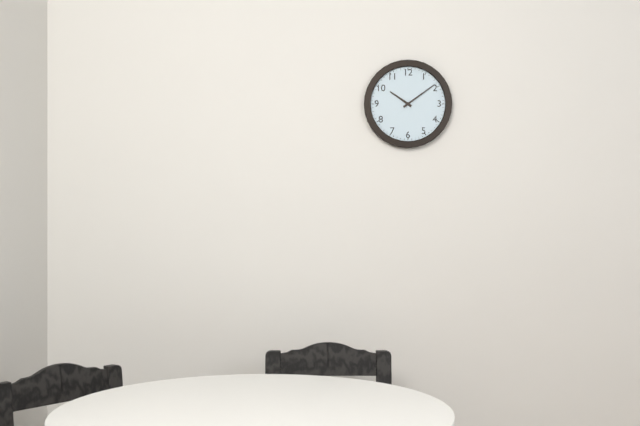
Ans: 10:09
